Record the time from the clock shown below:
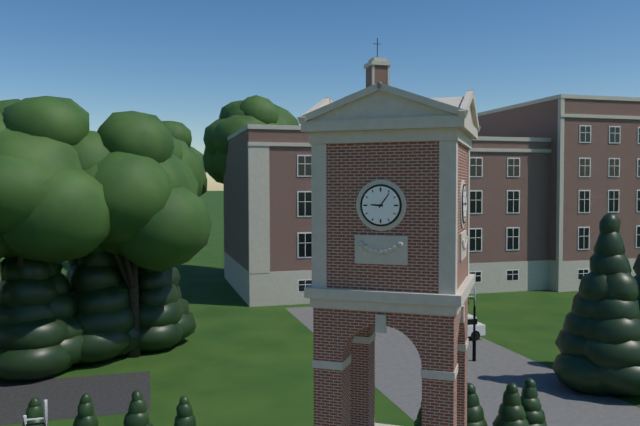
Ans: 9:06
